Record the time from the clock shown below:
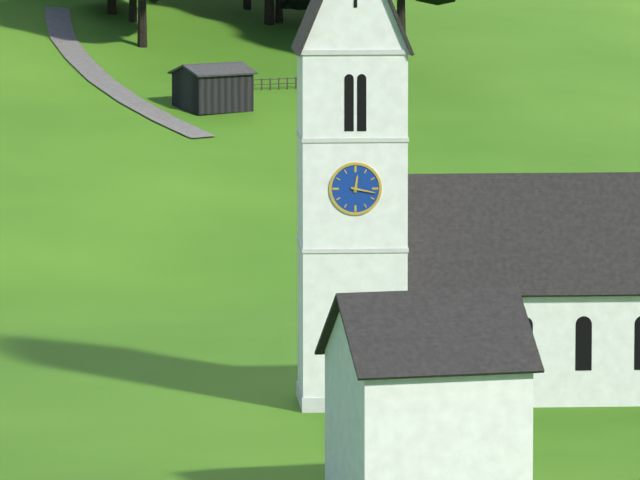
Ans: 12:17
